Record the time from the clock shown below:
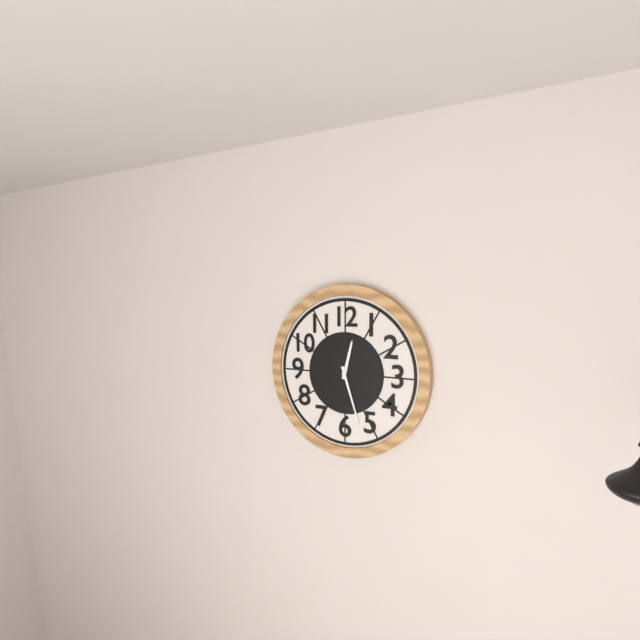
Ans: 12:27
